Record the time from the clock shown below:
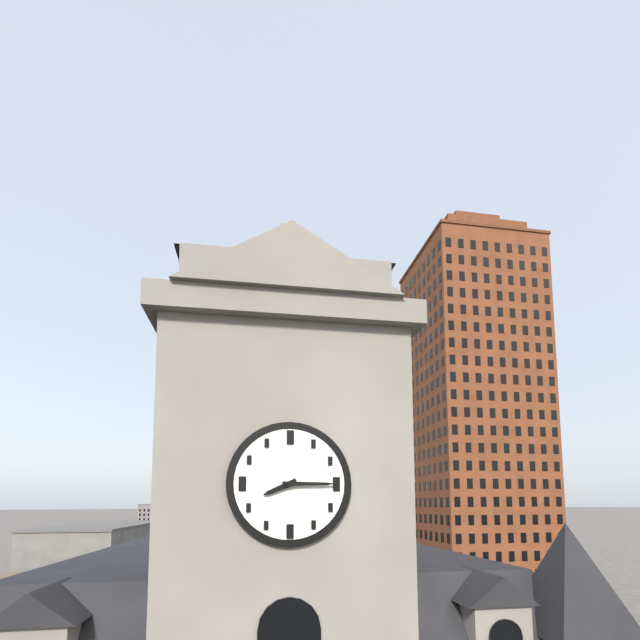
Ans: 8:15
